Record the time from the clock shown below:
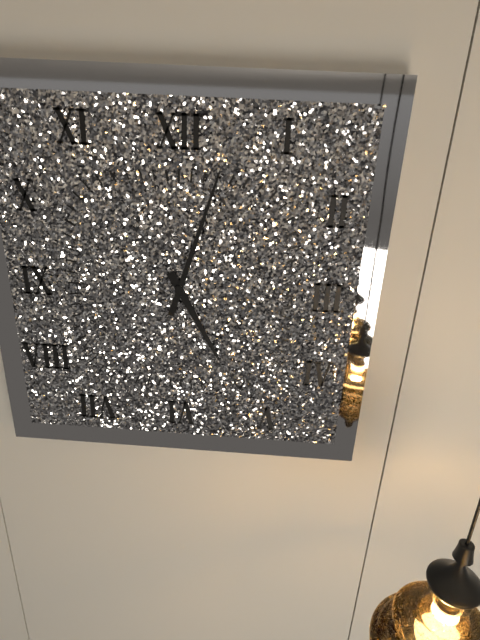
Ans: 5:03
